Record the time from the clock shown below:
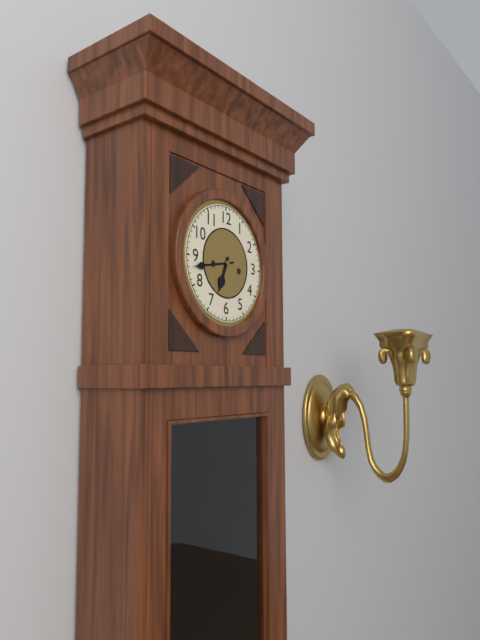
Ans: 6:43
